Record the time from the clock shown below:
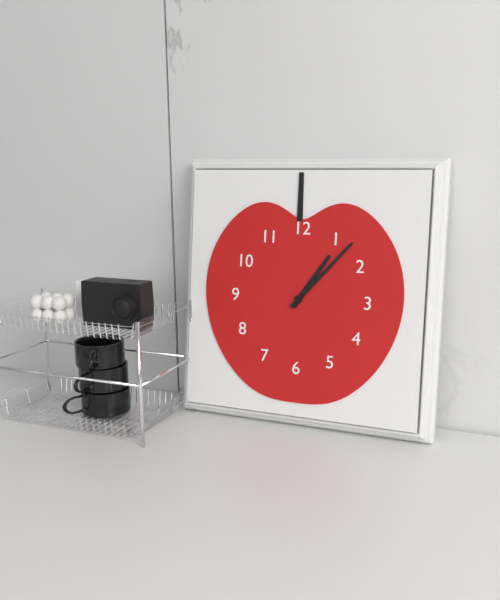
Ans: 1:07
